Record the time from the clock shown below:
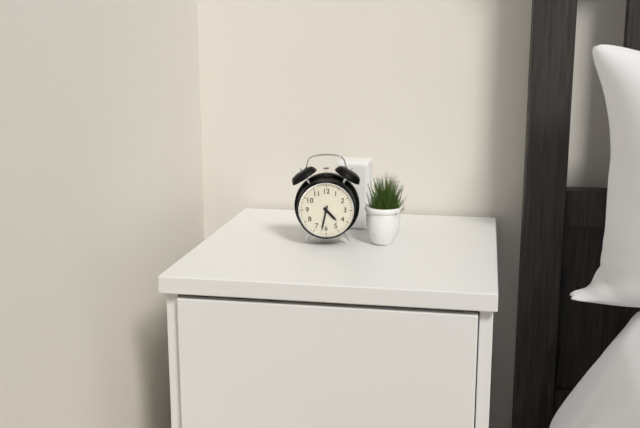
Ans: 4:32
